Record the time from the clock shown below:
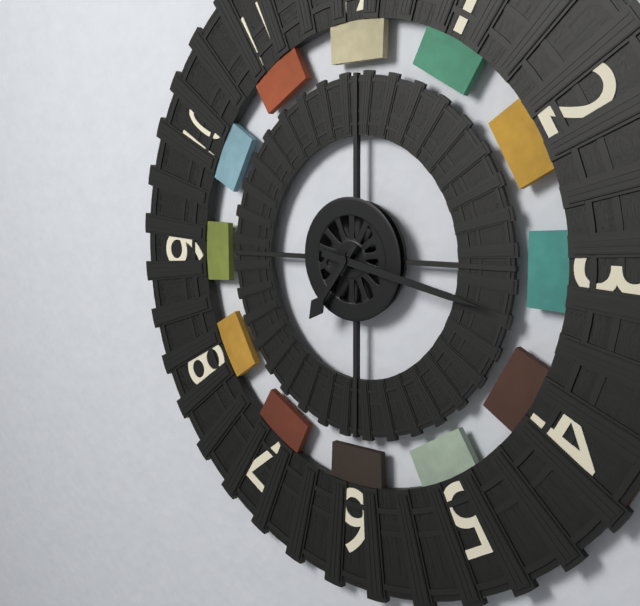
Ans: 7:17
